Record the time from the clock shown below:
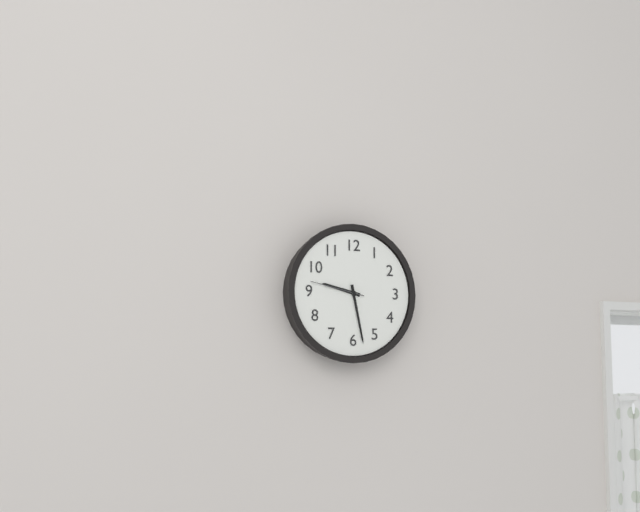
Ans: 9:28:47
